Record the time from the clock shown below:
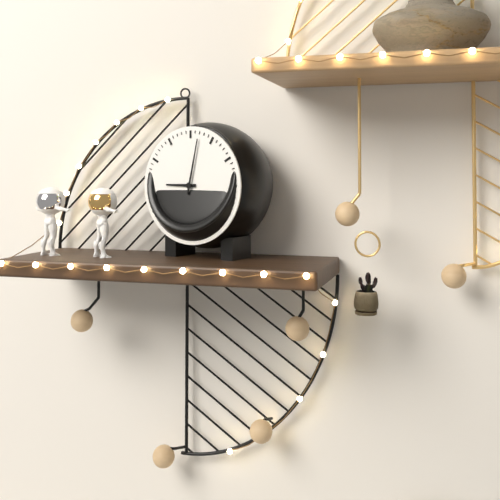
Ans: 9:02
